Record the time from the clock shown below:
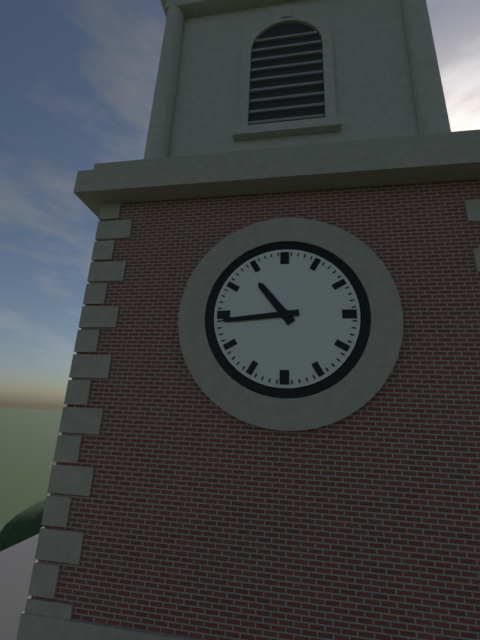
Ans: 10:44
